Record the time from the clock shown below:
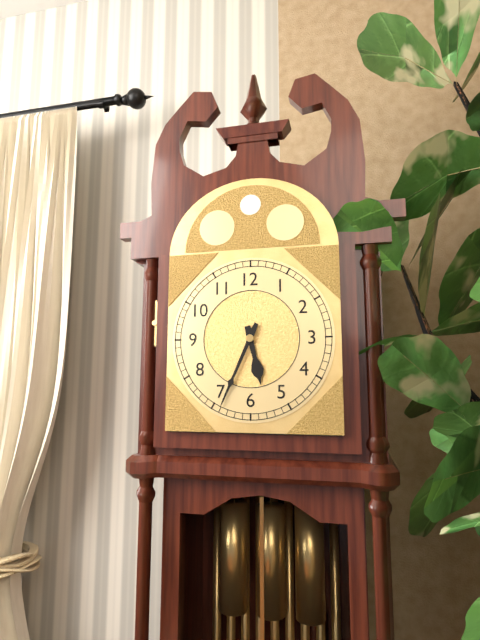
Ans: 5:34
